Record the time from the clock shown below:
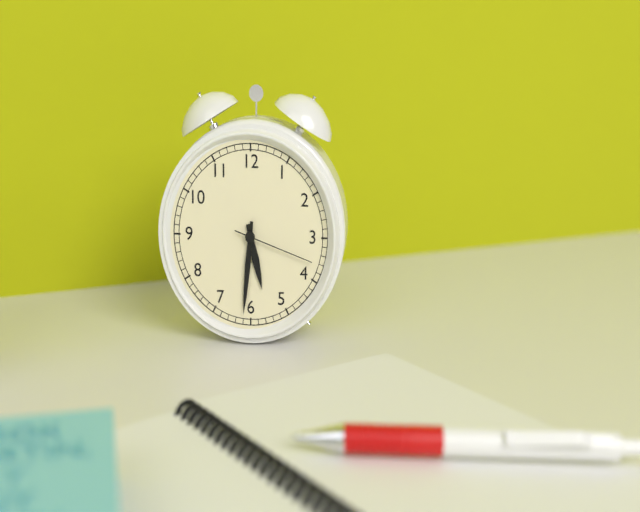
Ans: 5:31:18
